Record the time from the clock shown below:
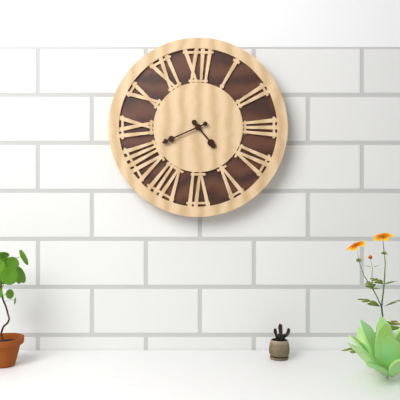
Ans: 4:41
